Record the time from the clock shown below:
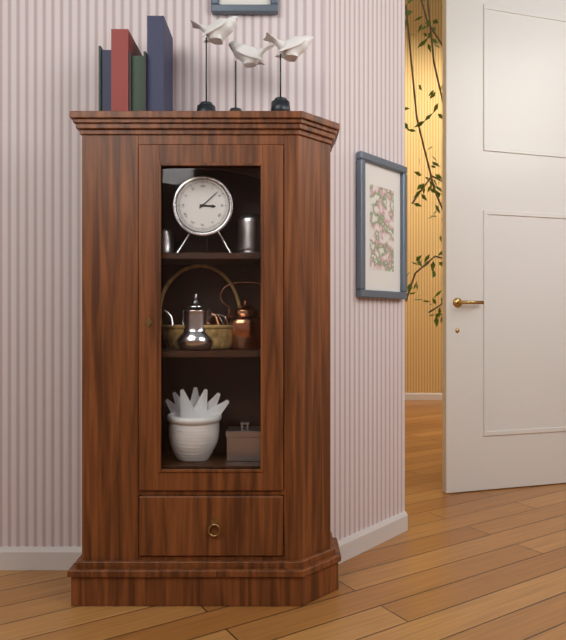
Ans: 3:08
